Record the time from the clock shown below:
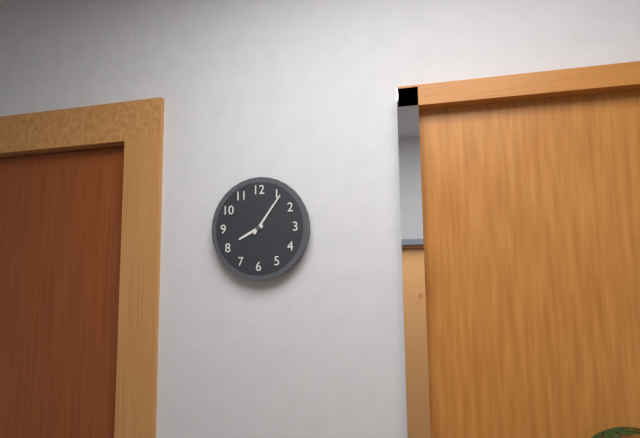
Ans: 8:06
